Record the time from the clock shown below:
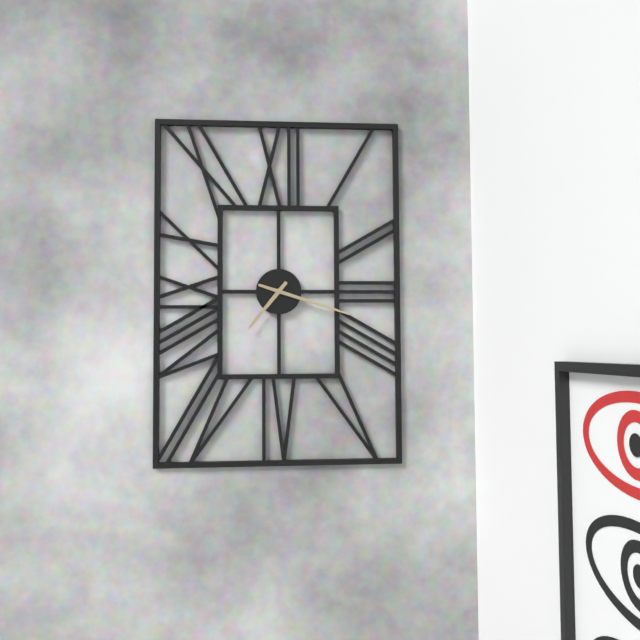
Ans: 7:18
